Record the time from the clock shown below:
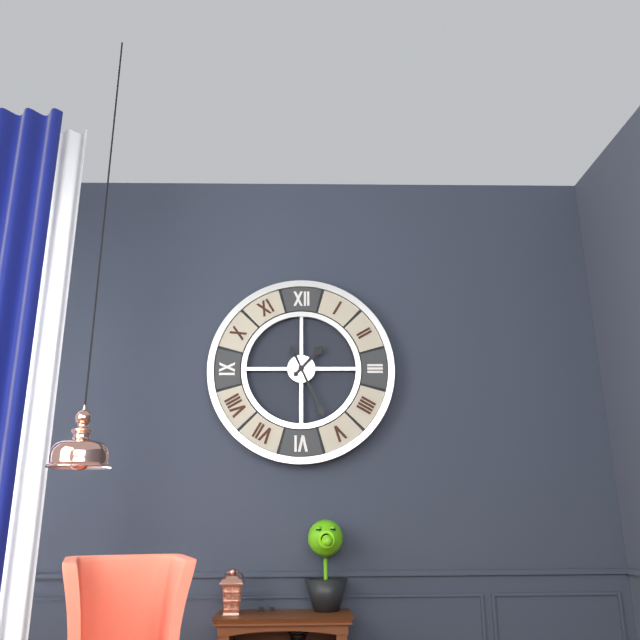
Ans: 1:26
